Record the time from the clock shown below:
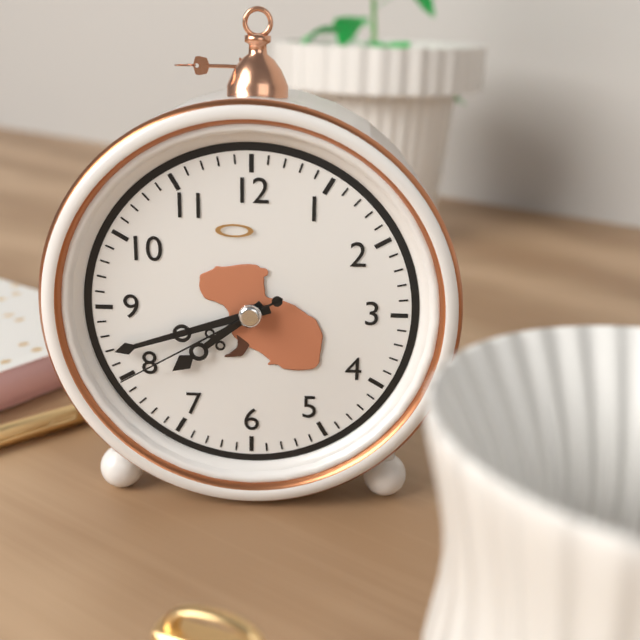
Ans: 7:42:40
